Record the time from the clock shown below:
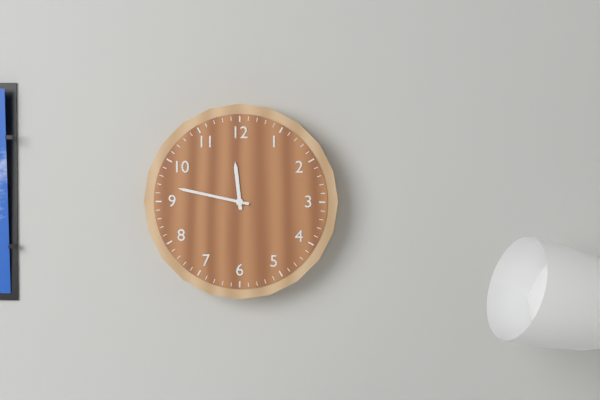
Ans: 11:47
